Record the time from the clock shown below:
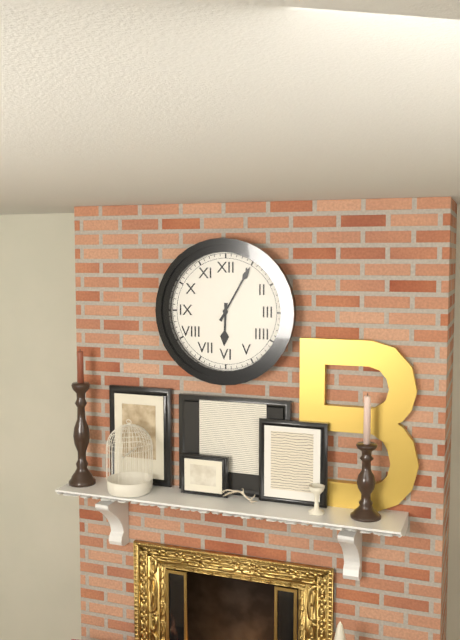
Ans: 6:05
